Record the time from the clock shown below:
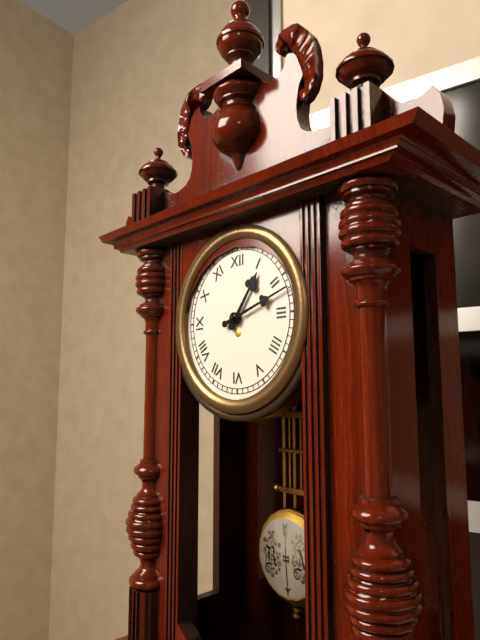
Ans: 1:12
